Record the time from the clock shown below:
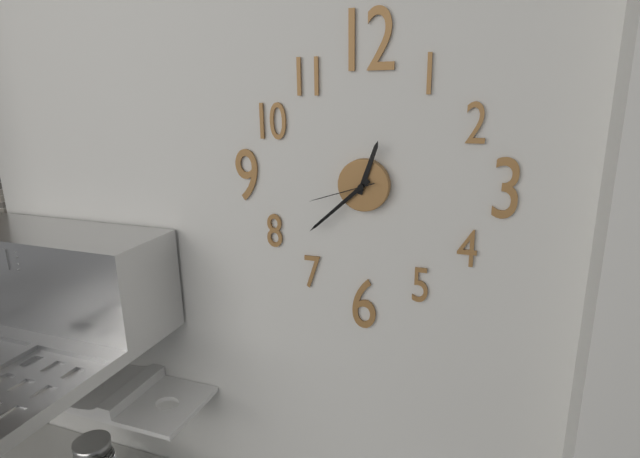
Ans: 12:38:42
